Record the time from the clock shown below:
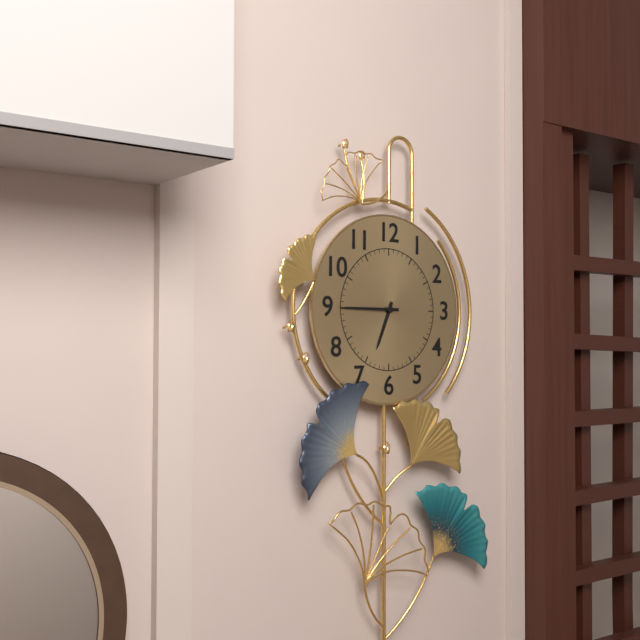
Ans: 6:45
